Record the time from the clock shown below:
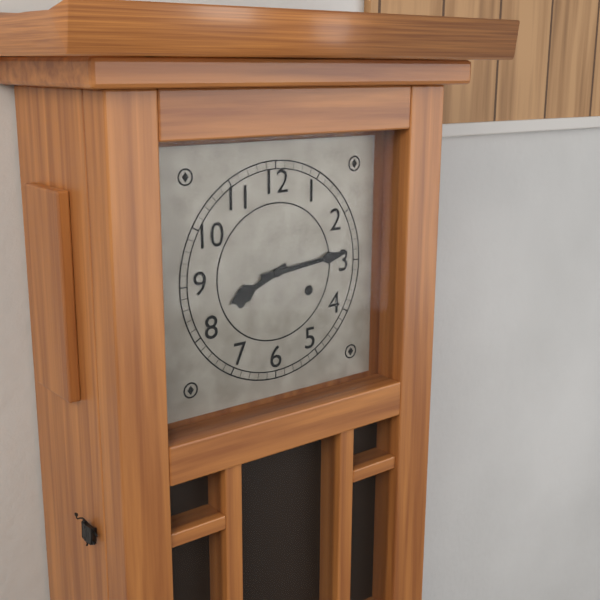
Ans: 8:14
